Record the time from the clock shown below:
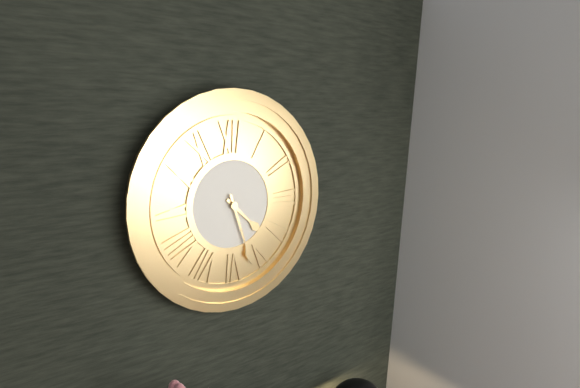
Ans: 4:27
